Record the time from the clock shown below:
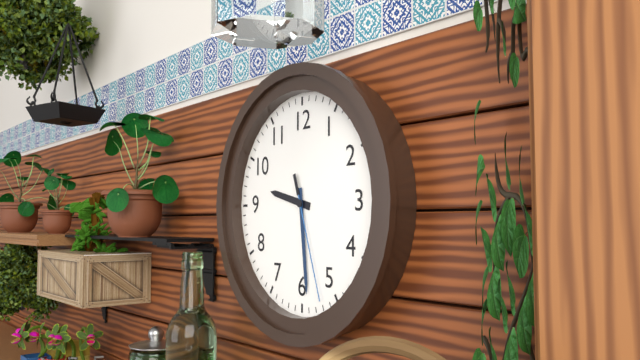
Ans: 9:29:27
